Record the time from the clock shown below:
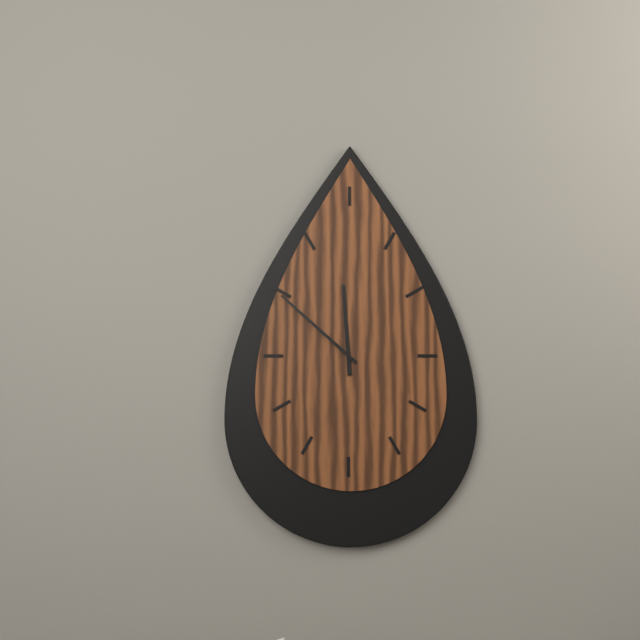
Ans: 11:52
